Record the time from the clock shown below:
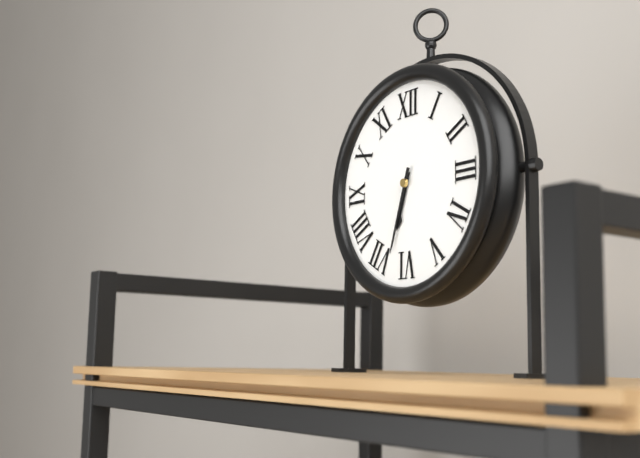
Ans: 6:33
